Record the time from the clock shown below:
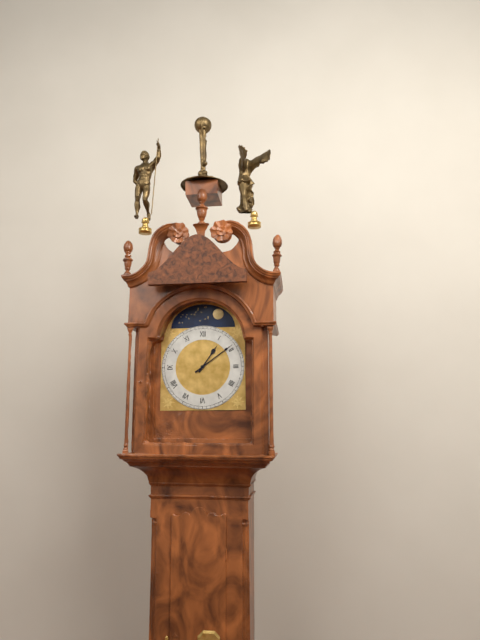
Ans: 1:09
